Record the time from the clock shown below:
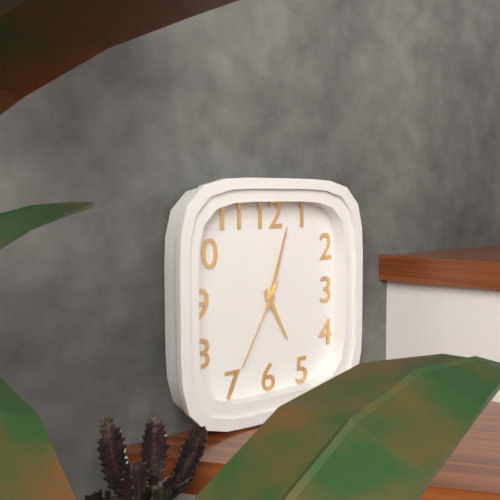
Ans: 5:03:35
